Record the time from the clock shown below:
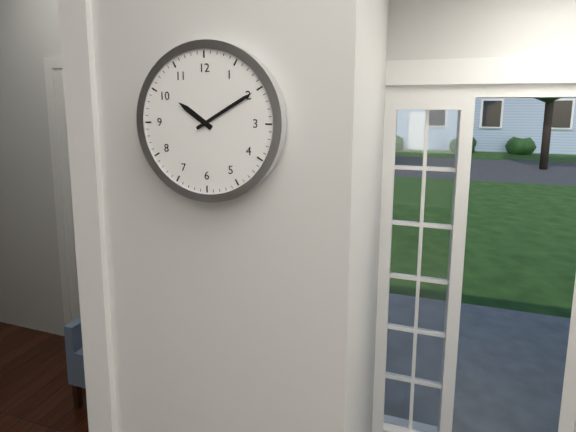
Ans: 10:10
